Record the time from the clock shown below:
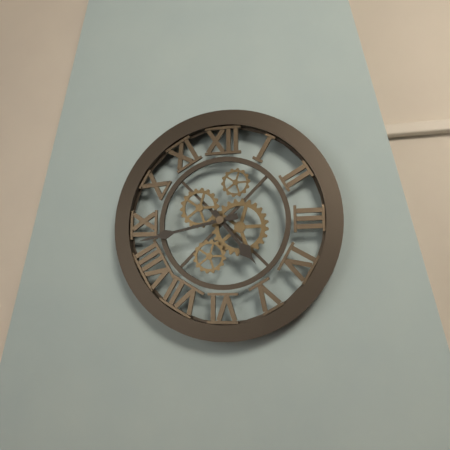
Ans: 4:43
